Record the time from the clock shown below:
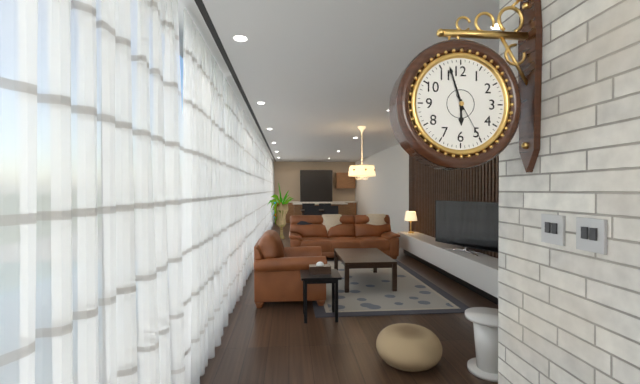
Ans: 5:57:25
